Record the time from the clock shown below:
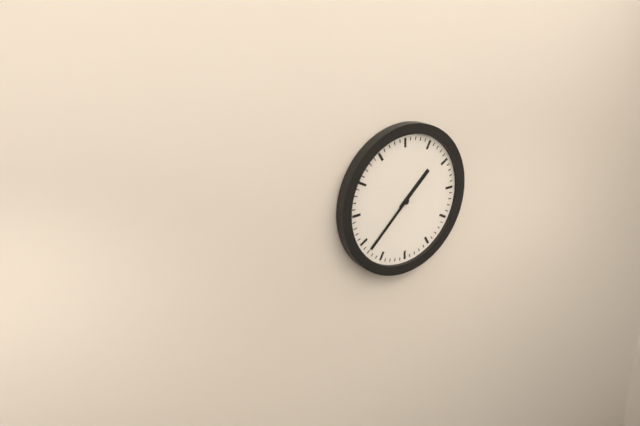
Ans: 1:38
